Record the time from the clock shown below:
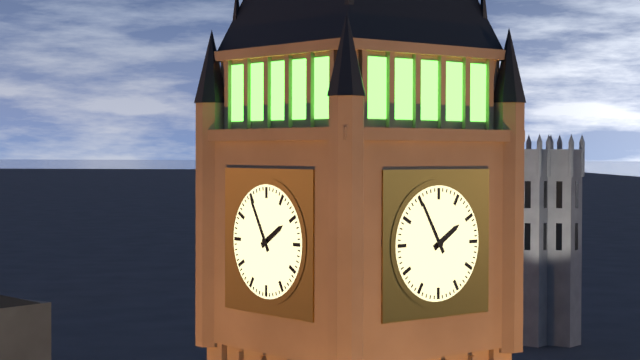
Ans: 1:55
